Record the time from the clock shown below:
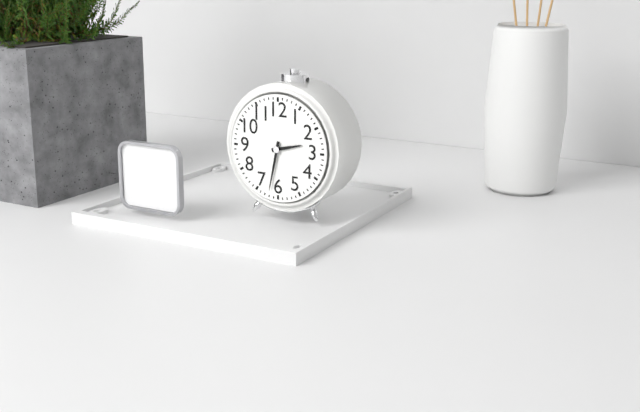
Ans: 2:32
